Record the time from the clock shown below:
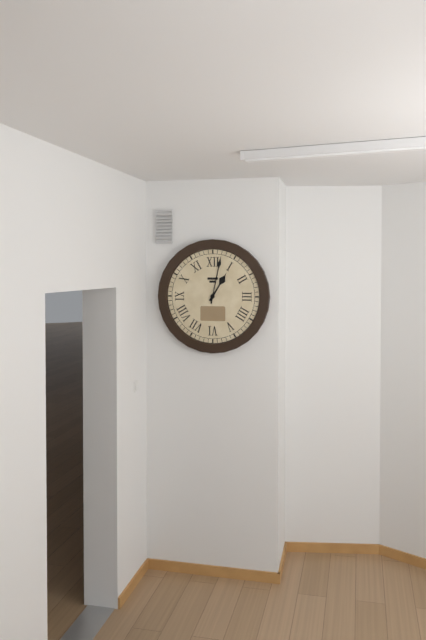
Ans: 1:02
